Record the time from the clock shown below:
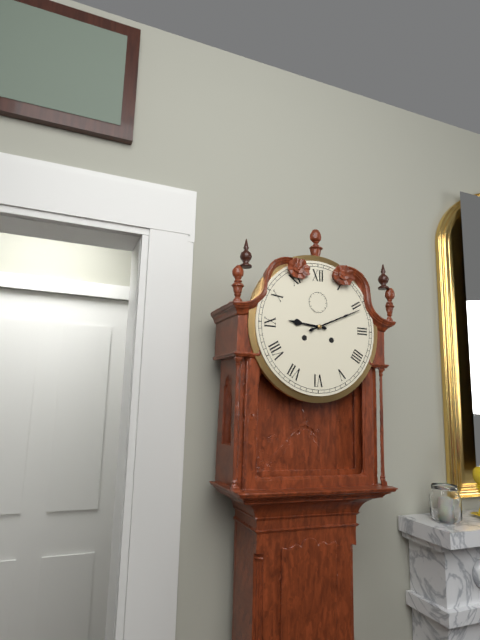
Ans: 9:11
